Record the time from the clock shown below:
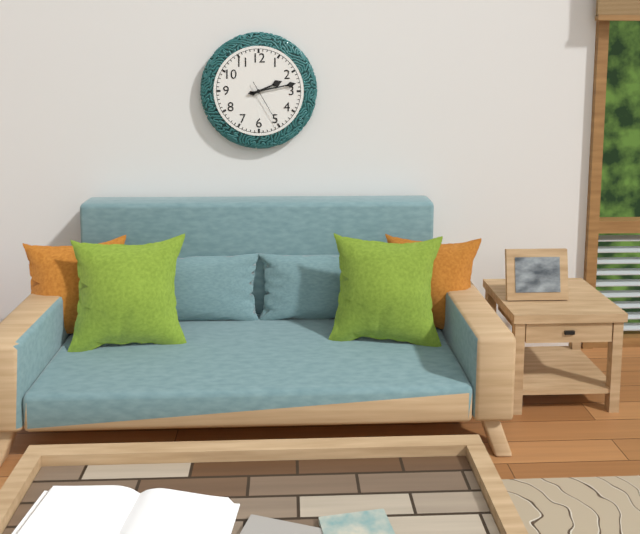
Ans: 2:13:25
